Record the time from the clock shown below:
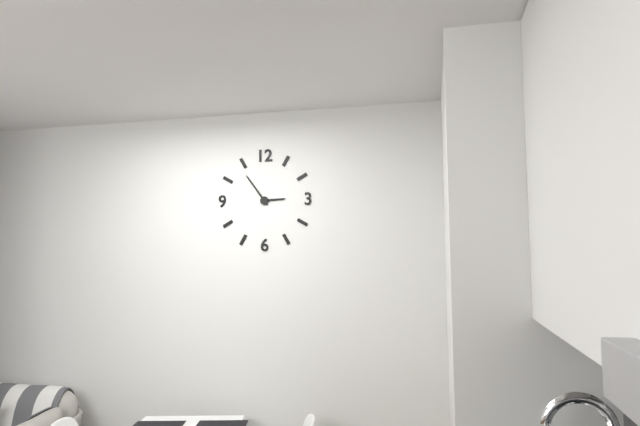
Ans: 2:54
